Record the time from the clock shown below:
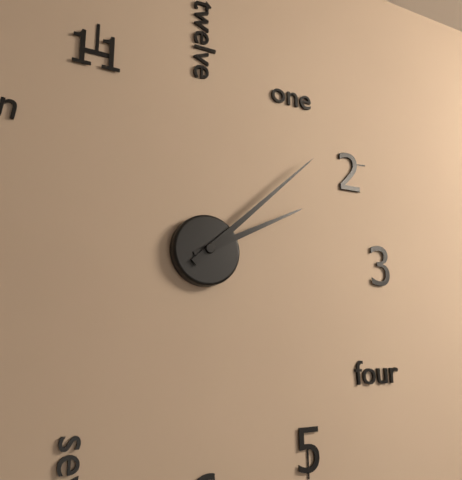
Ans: 2:08
